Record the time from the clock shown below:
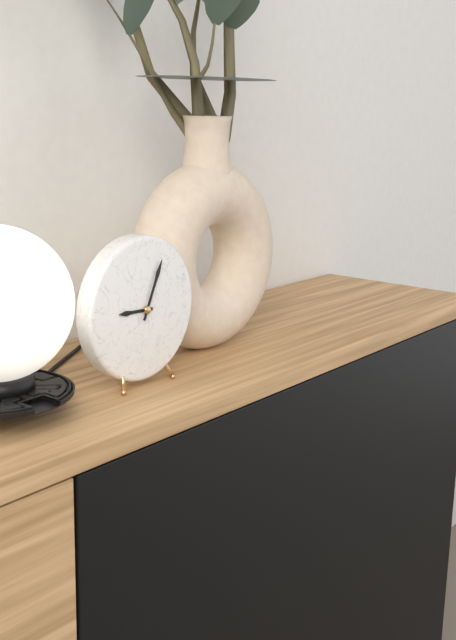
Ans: 9:04
